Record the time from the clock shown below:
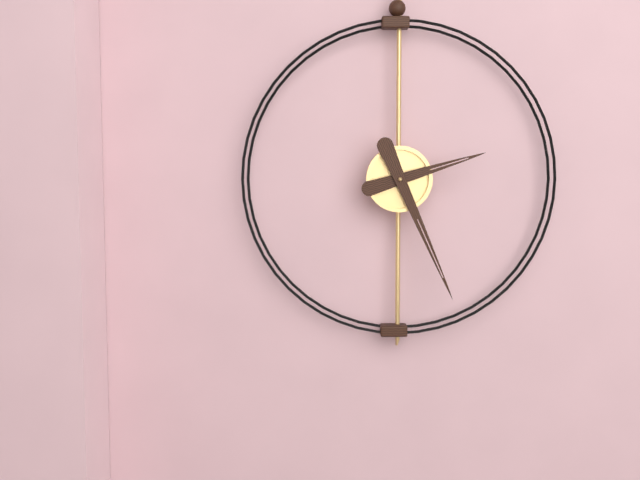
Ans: 2:26
